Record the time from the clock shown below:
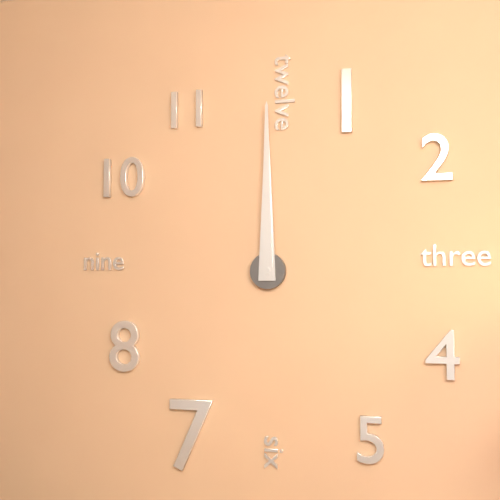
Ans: 12:00
